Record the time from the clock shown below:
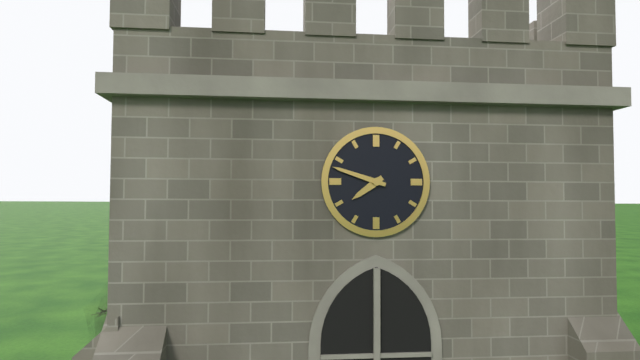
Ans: 7:48
